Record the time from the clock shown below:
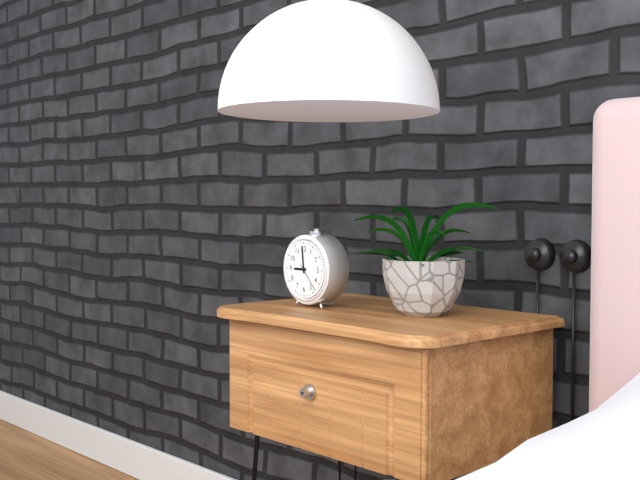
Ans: 8:59
